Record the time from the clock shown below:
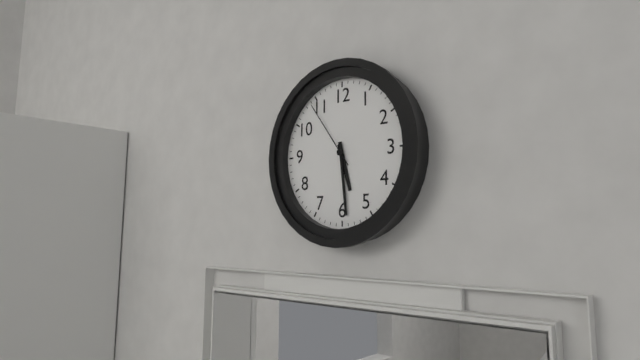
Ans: 5:29:54
